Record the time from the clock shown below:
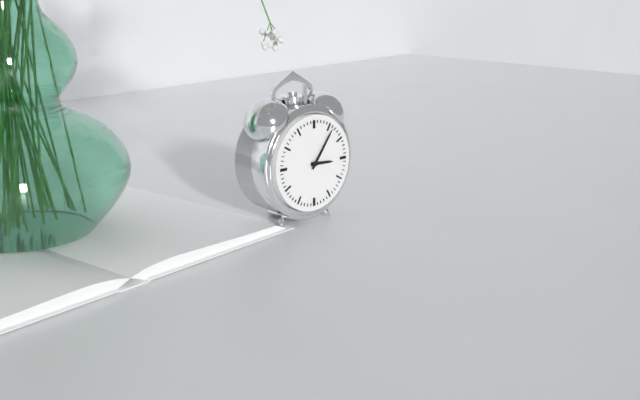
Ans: 3:06
